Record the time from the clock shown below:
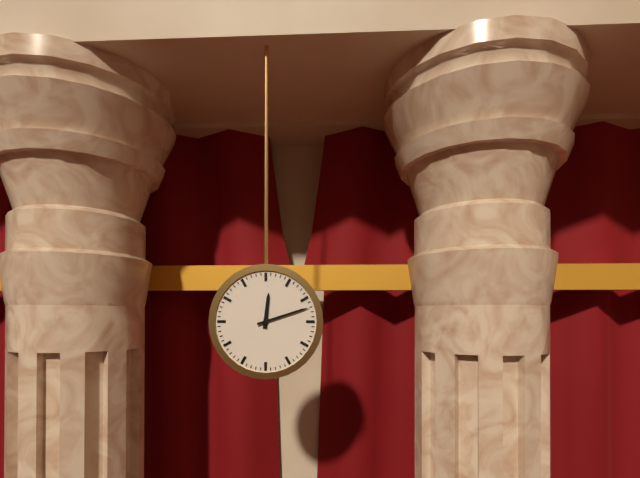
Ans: 12:12
